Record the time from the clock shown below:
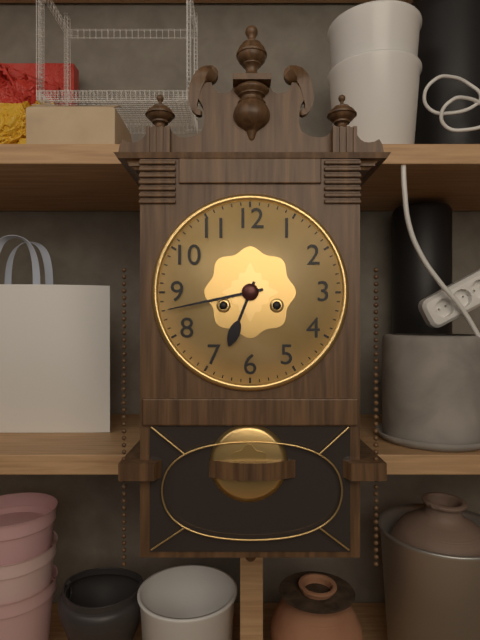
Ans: 6:43
